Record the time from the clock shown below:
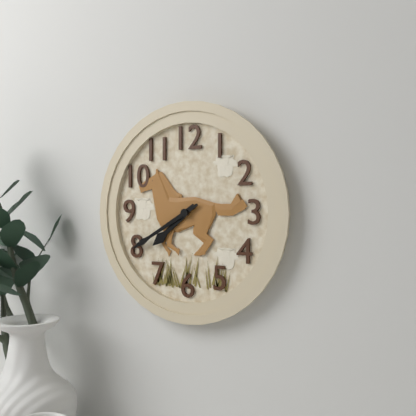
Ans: 7:40
